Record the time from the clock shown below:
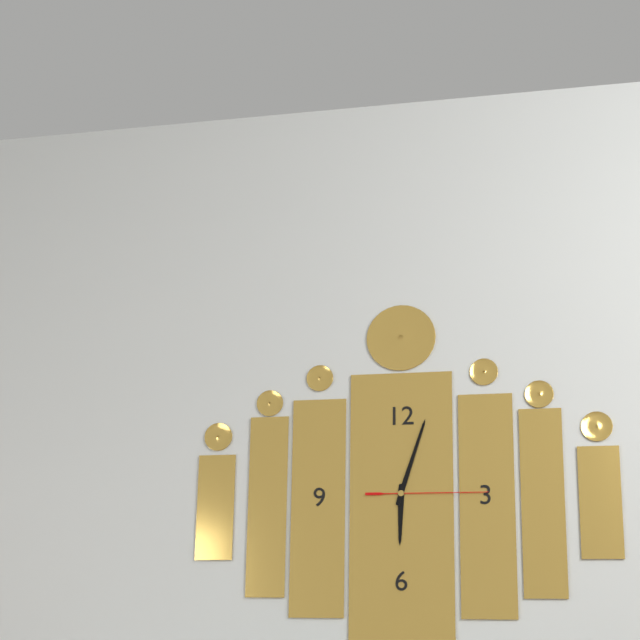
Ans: 6:03:15
